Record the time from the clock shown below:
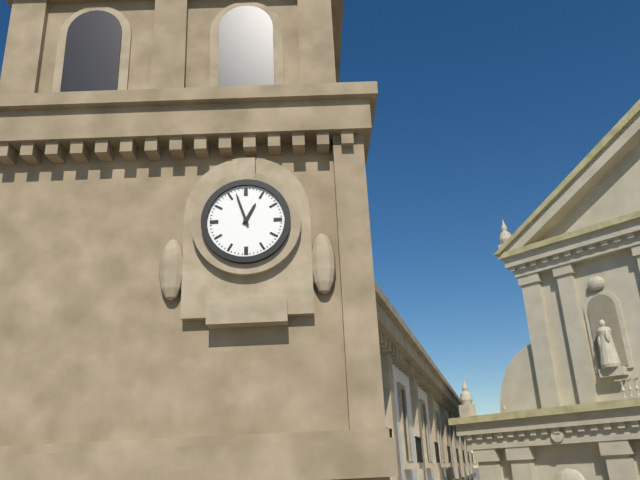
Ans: 12:57
